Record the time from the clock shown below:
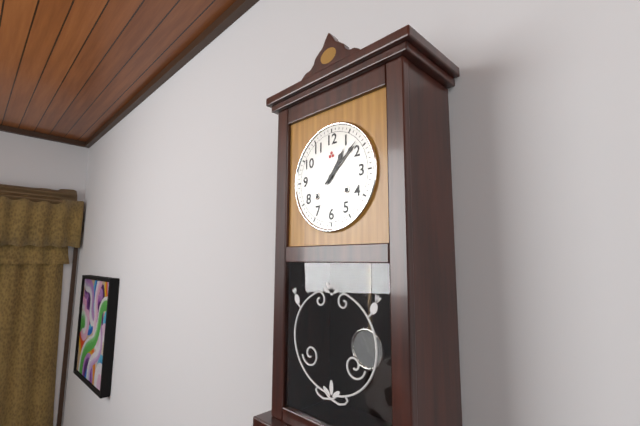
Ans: 1:08
